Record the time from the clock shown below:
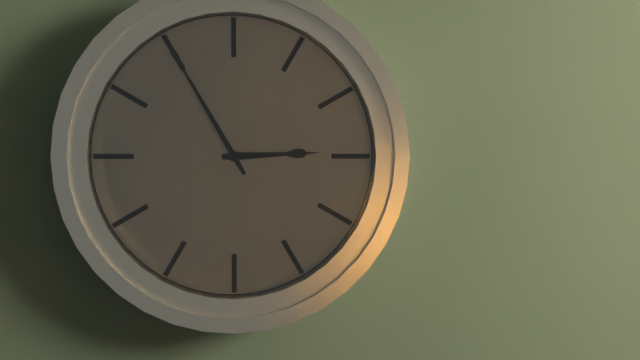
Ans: 2:55
